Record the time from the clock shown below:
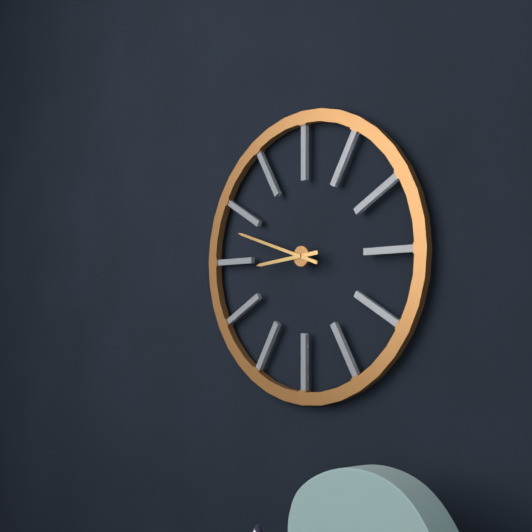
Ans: 8:48
